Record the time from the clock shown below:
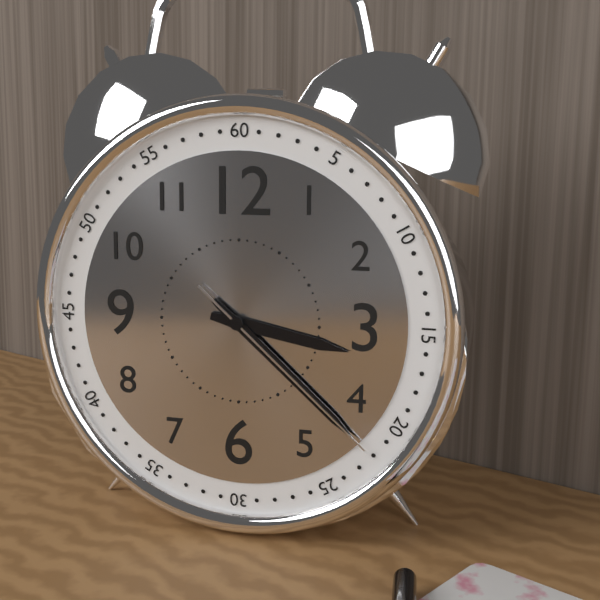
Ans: 3:22:22
